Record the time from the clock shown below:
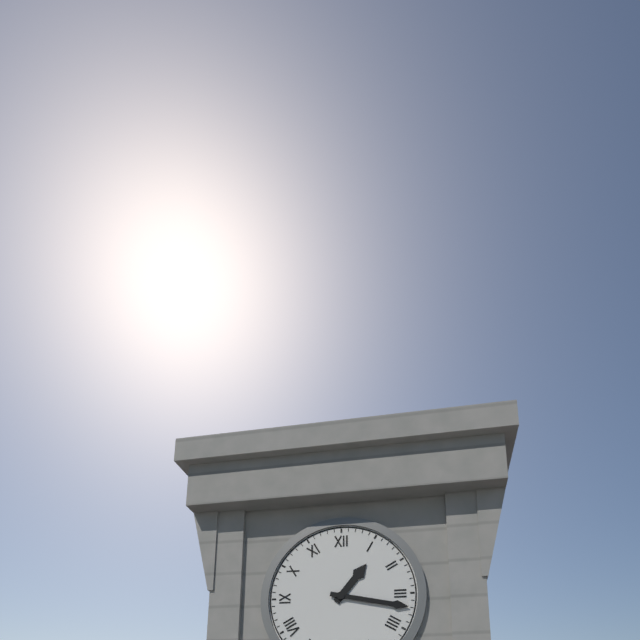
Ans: 1:17
